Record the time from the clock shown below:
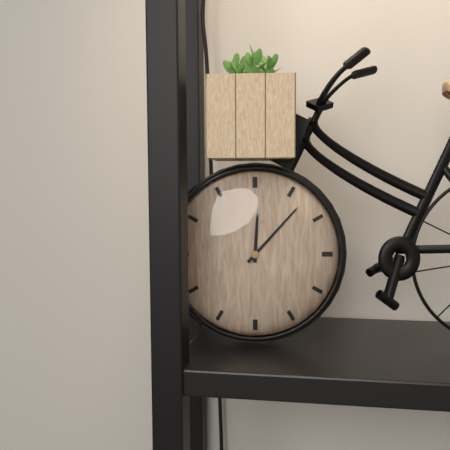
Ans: 12:07
